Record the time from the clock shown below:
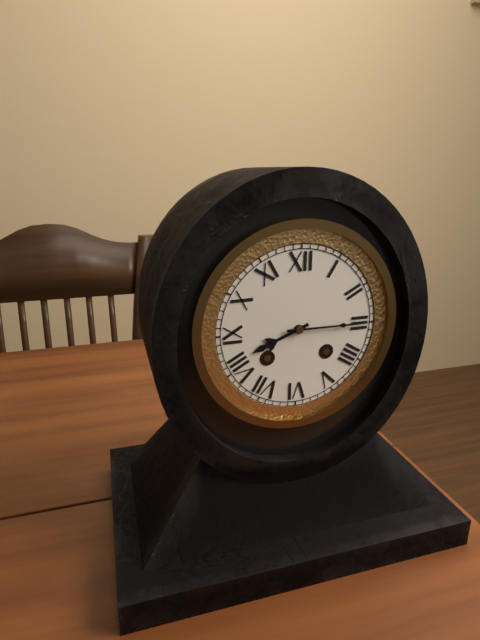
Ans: 8:15
